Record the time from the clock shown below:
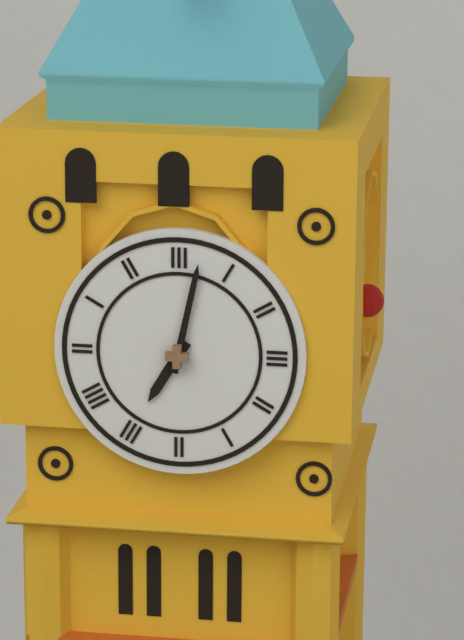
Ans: 7:02
